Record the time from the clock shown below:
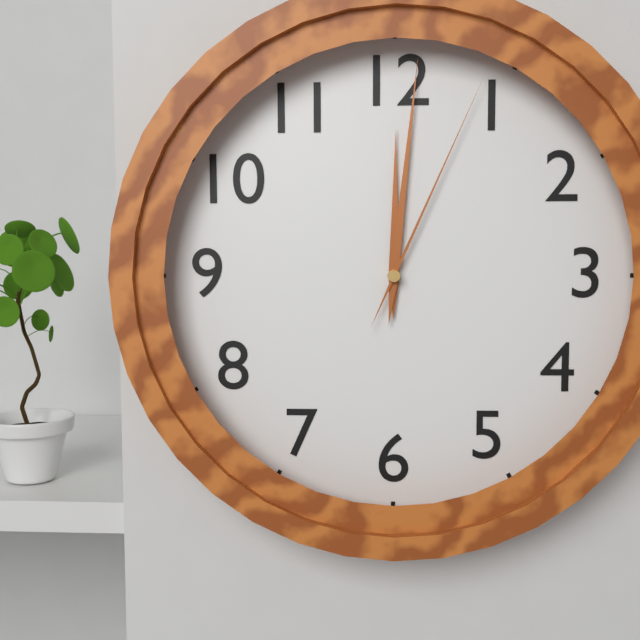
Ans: 12:01:04
